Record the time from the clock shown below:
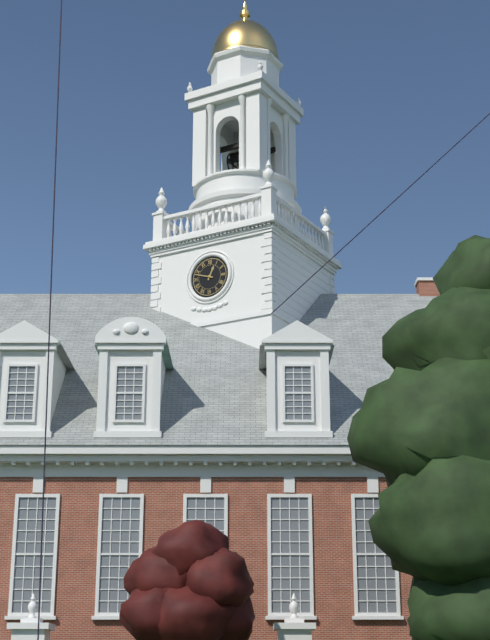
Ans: 12:48
